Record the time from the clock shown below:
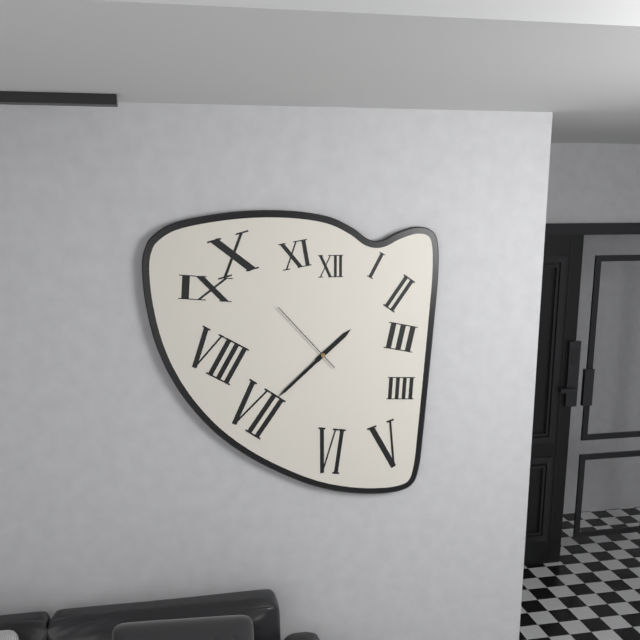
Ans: 1:38:53
